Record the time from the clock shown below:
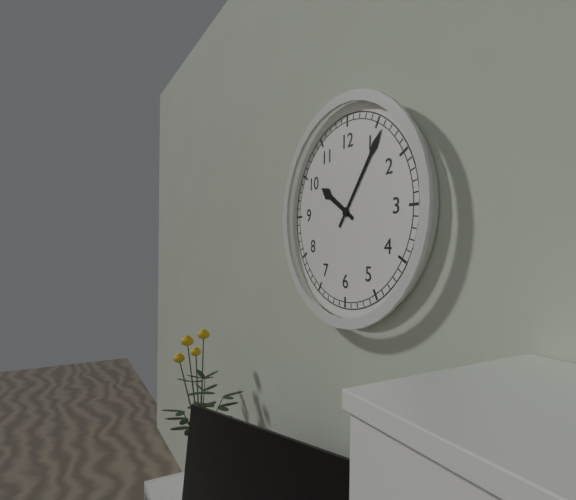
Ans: 10:06
